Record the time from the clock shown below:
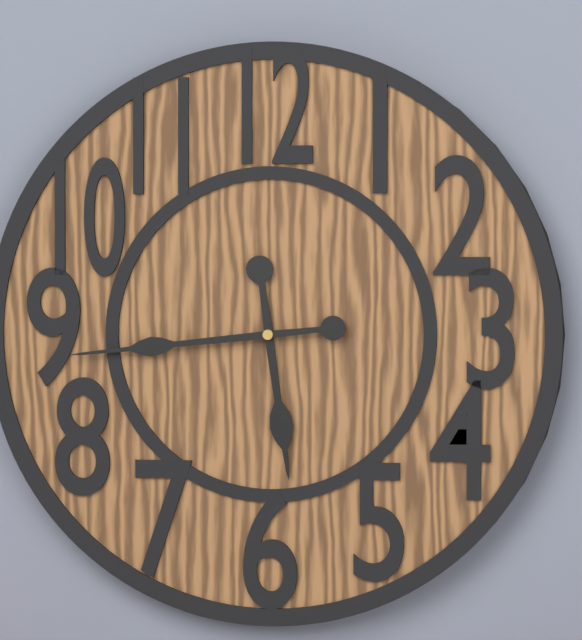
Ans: 5:44
